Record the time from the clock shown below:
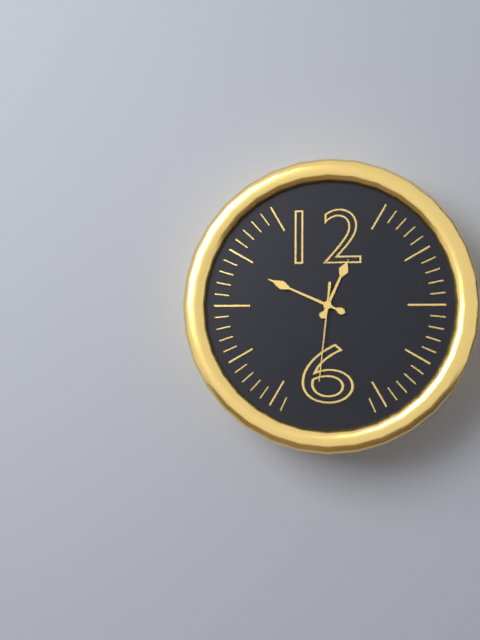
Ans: 12:49:31
